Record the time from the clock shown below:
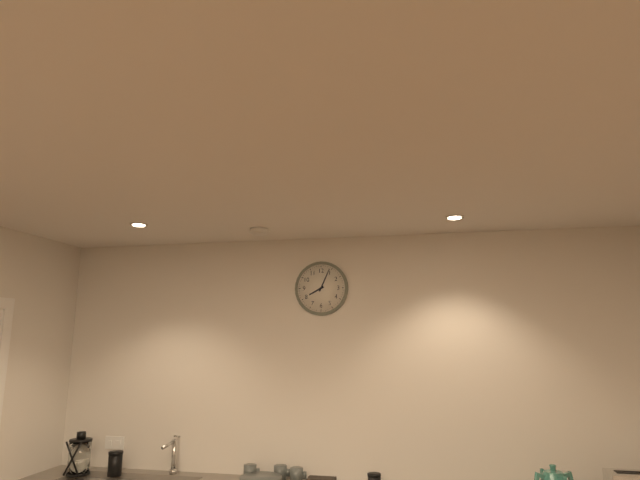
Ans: 8:04
